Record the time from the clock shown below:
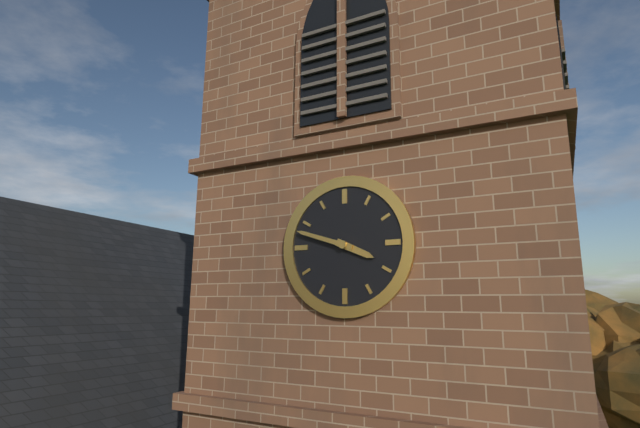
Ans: 3:48
